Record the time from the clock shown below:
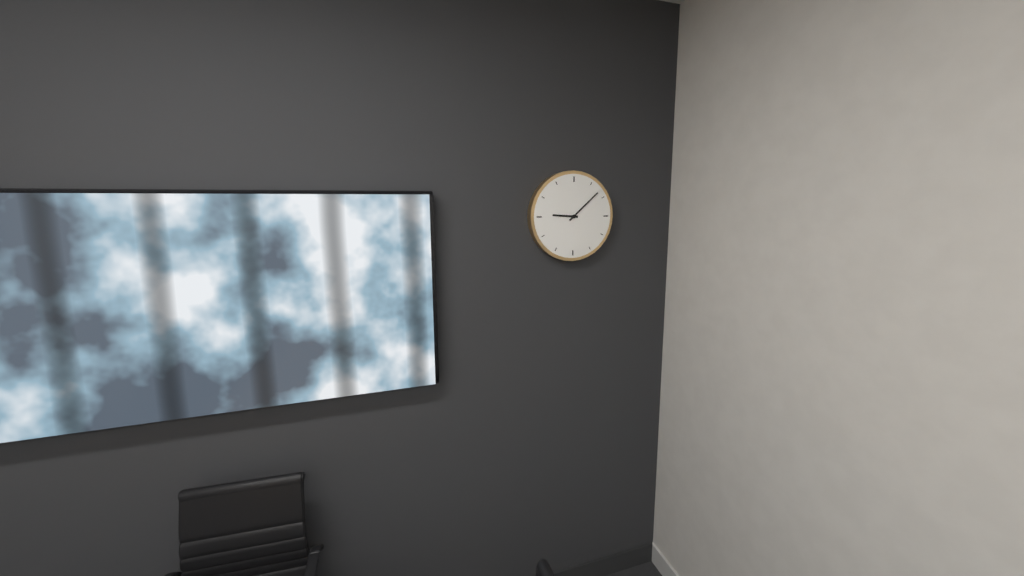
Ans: 9:08
